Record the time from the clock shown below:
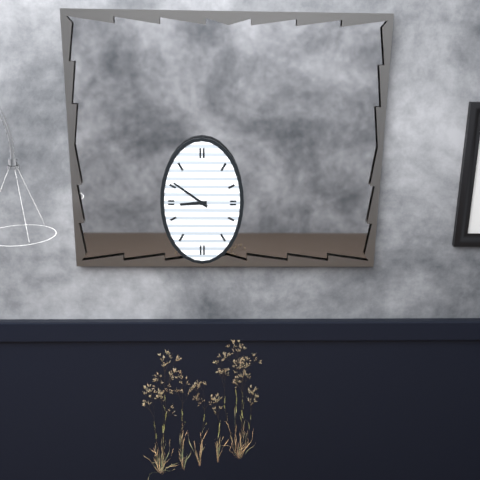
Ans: 8:51
